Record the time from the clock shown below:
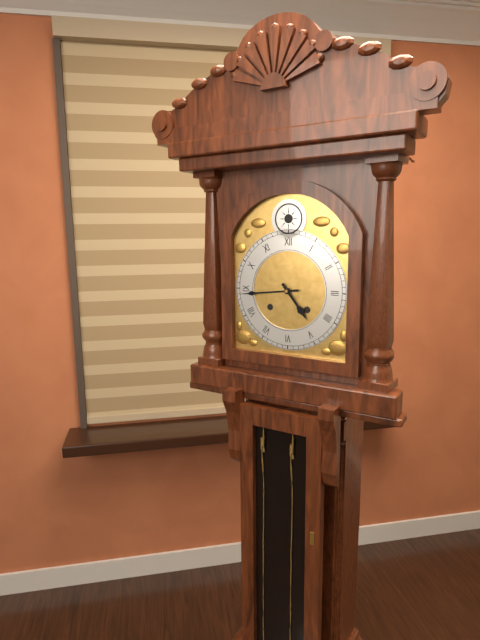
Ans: 4:44
